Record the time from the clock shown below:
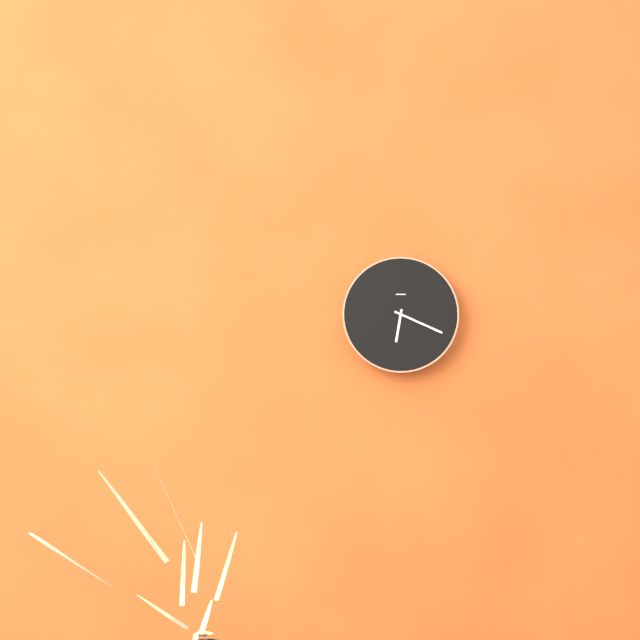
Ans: 6:19
